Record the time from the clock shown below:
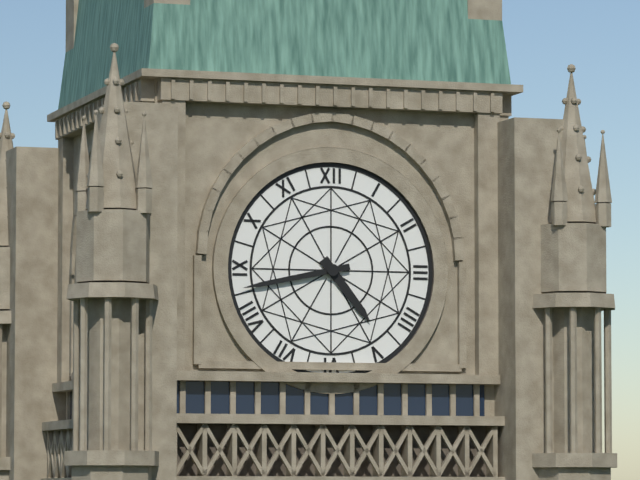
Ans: 4:43
